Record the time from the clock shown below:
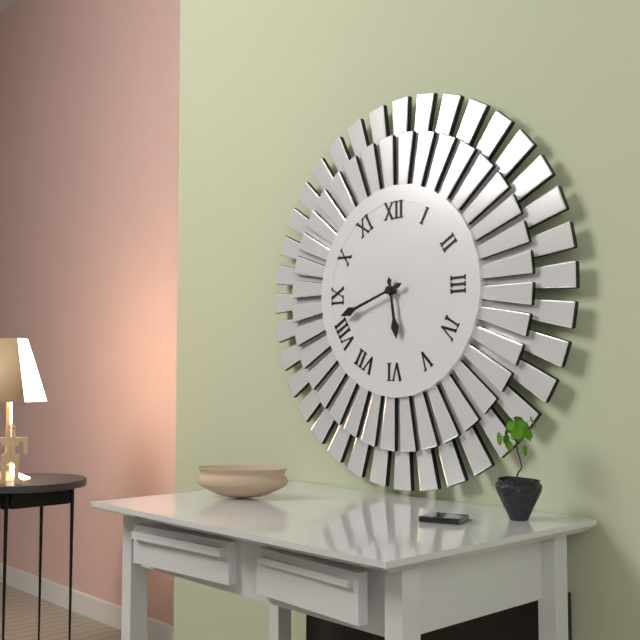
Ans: 5:42
